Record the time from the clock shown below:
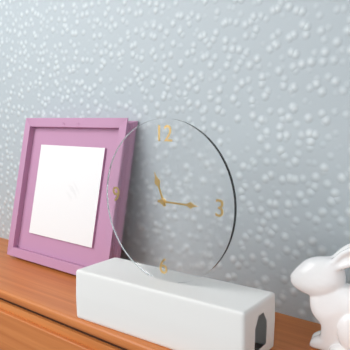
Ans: 11:15
